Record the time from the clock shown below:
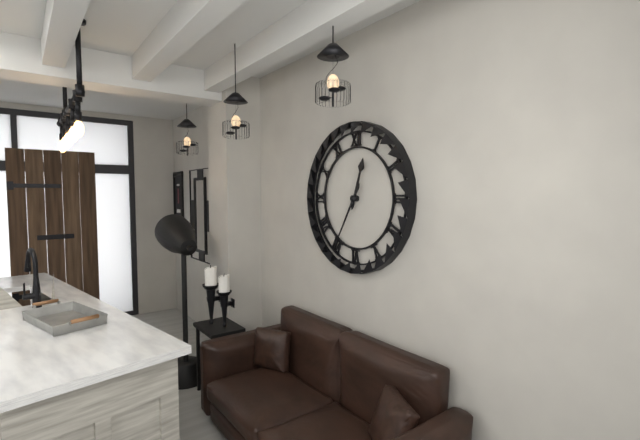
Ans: 12:35
